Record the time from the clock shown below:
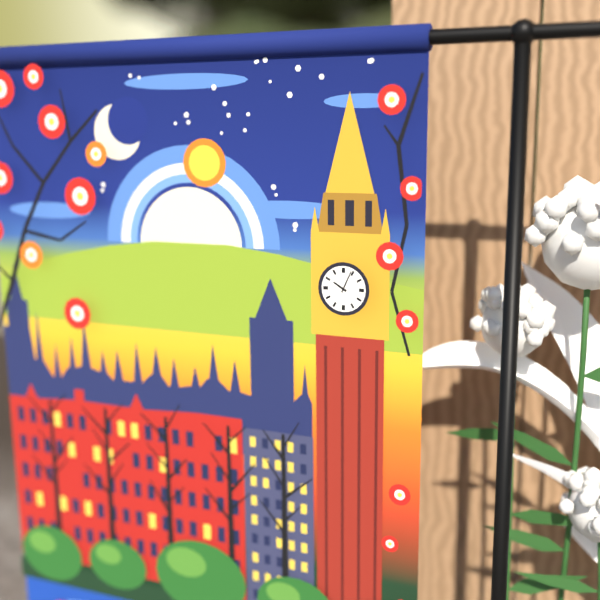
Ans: 10:04
